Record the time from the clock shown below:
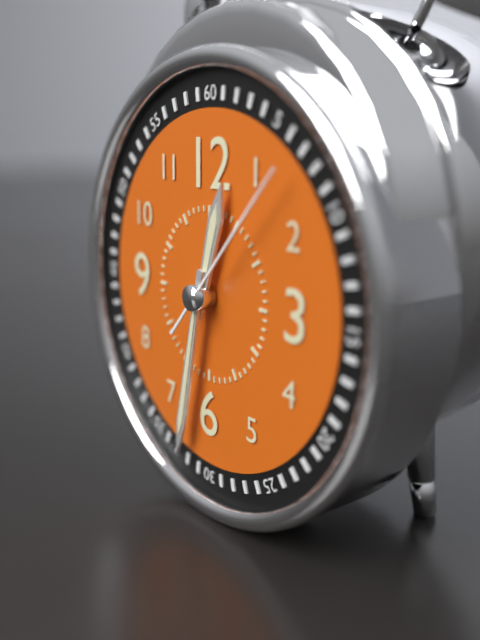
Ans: 12:32:07
